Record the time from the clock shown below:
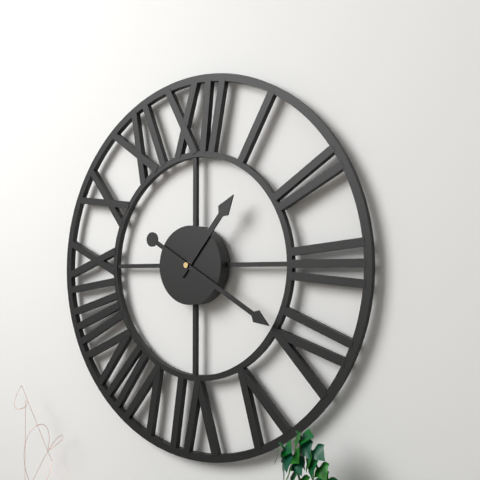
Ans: 1:20
